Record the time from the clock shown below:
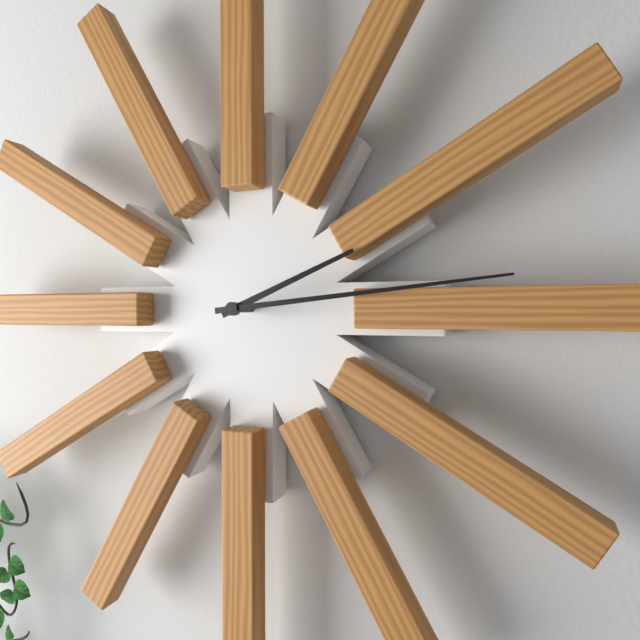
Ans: 2:14
